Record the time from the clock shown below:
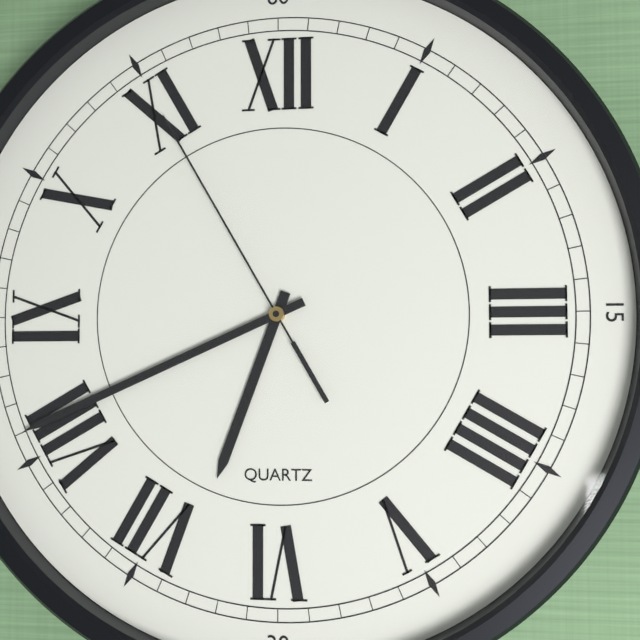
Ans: 6:41:55
